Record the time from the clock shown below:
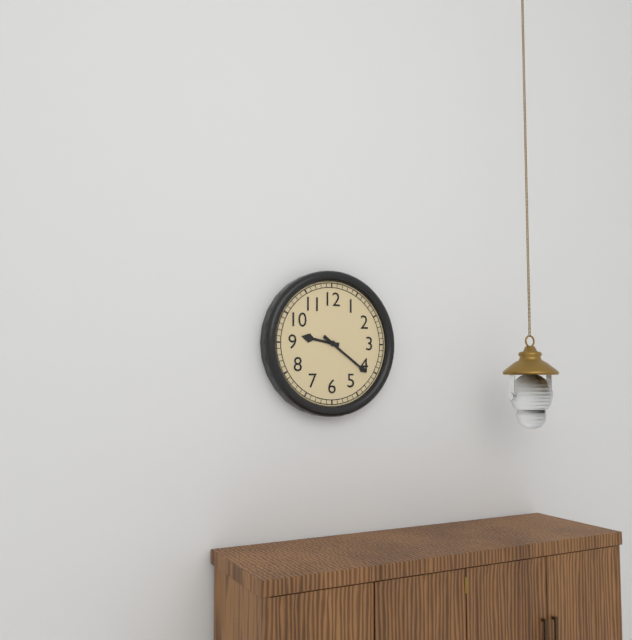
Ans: 9:21
